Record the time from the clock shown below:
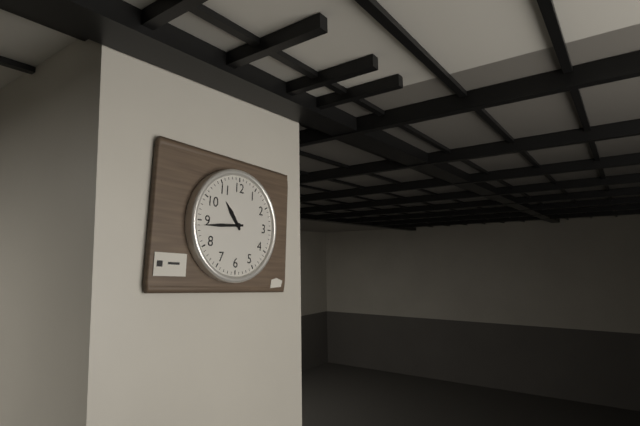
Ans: 10:44
